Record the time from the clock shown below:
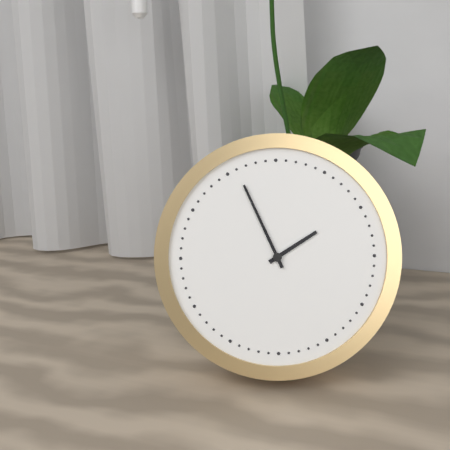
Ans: 1:56
